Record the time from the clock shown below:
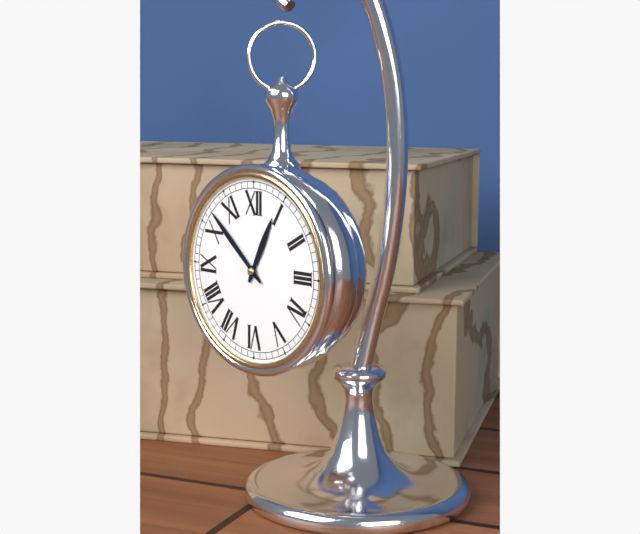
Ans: 12:52
